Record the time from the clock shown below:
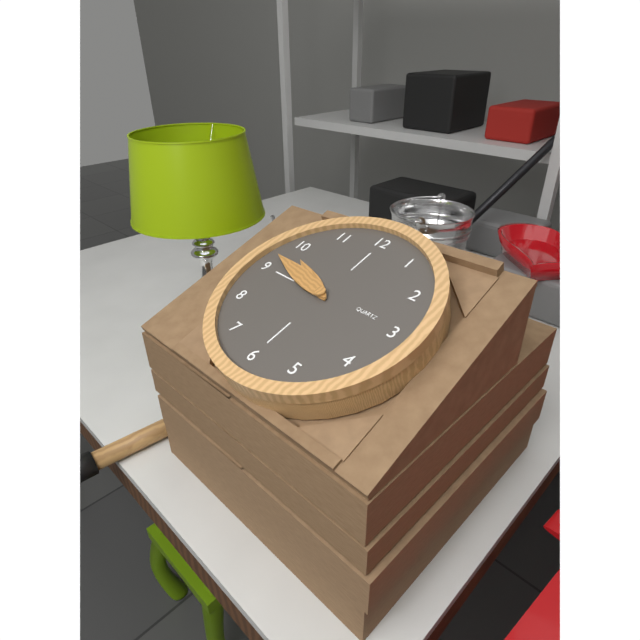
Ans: 9:47
